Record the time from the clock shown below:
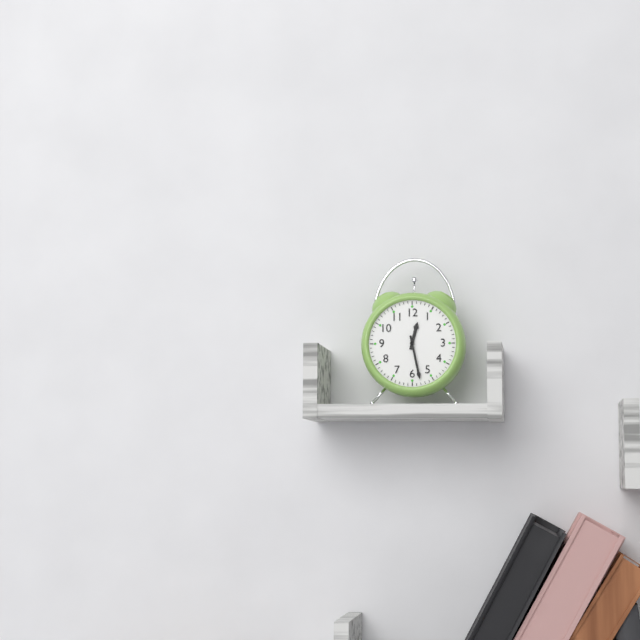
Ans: 12:28
